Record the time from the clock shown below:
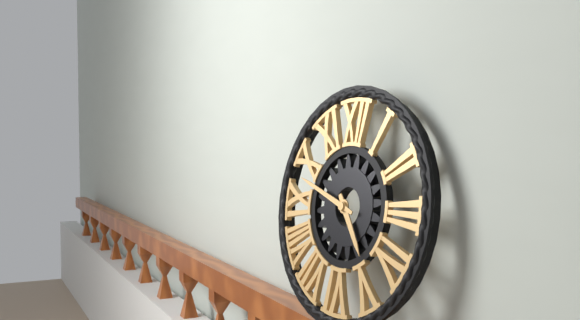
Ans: 4:48
